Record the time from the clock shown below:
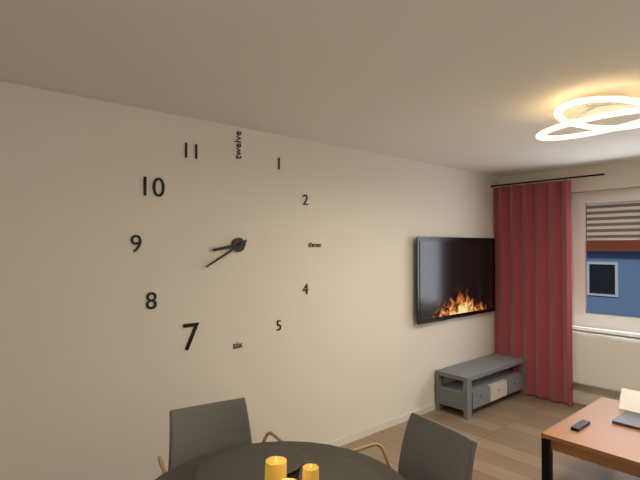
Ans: 8:40
